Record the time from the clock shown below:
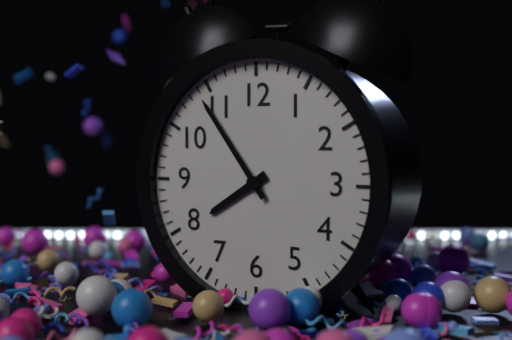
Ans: 7:54
